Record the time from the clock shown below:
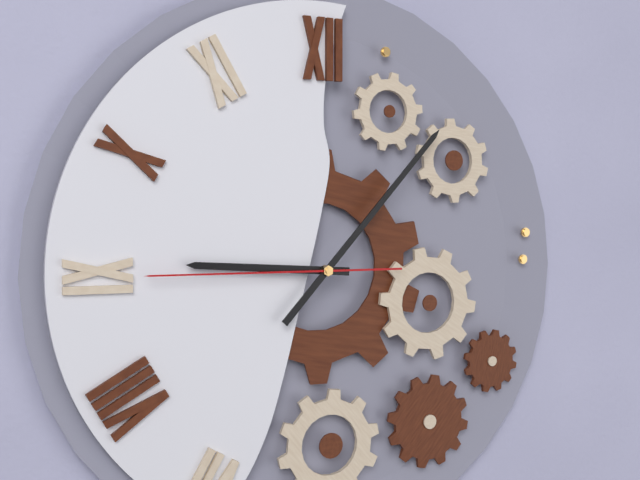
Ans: 9:07:45
